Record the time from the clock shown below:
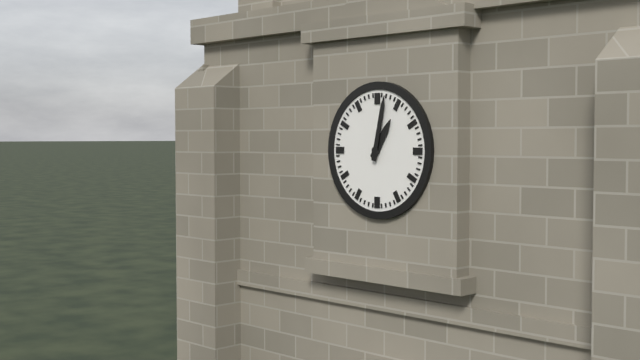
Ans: 1:02
